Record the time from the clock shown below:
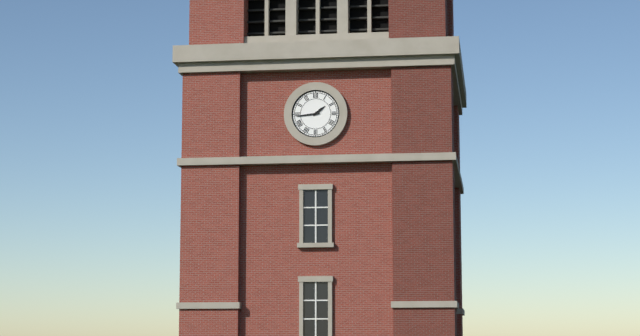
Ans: 1:44
